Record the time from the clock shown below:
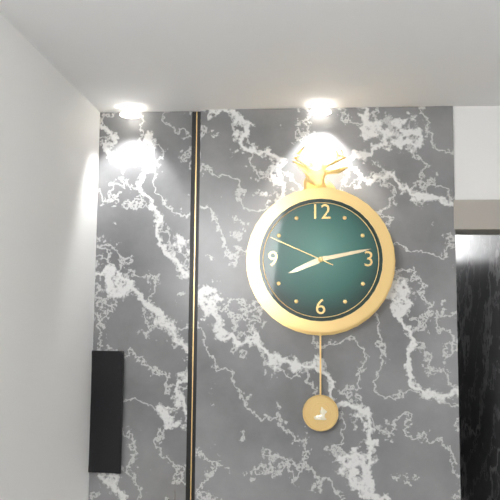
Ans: 8:13:49
